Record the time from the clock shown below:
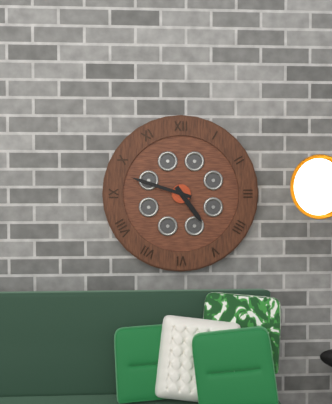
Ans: 4:48
